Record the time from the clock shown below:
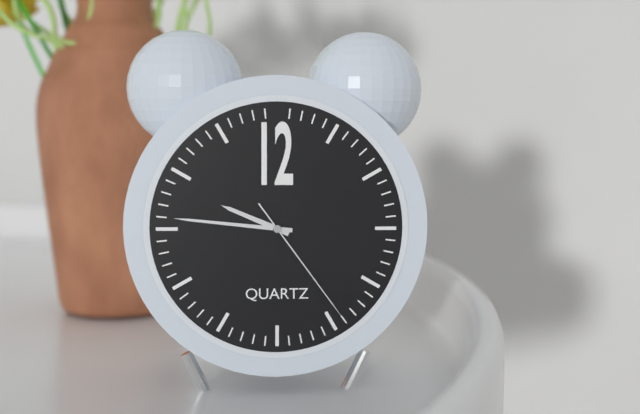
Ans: 9:46:24
